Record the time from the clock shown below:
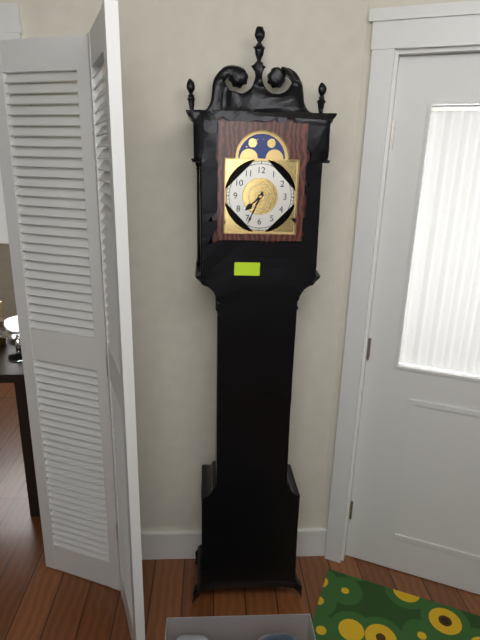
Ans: 7:34
